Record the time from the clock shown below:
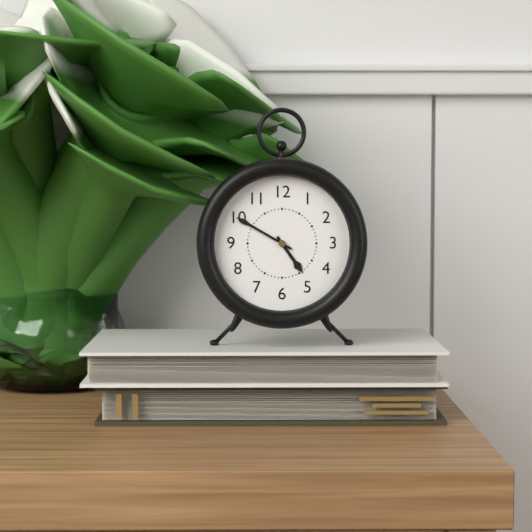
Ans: 4:50
